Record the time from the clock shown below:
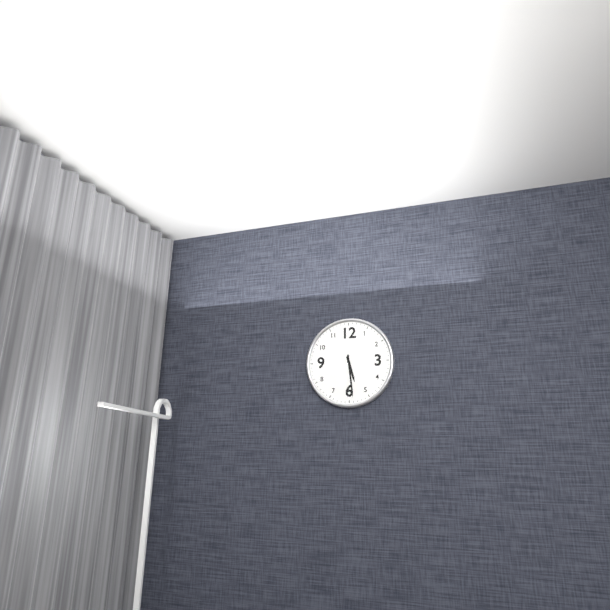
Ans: 5:29
